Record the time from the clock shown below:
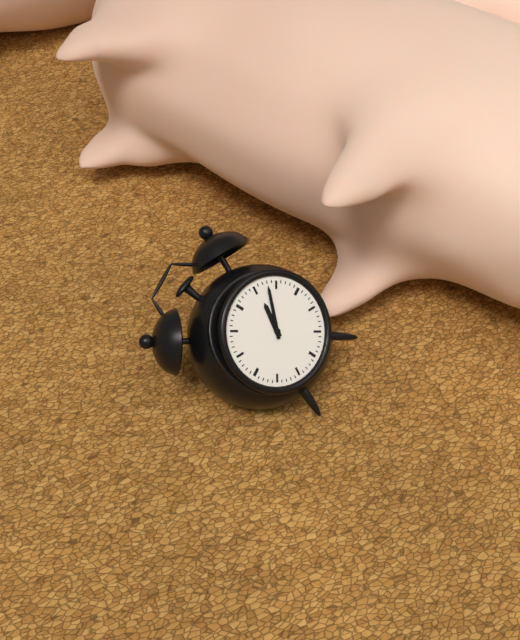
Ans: 1:08
